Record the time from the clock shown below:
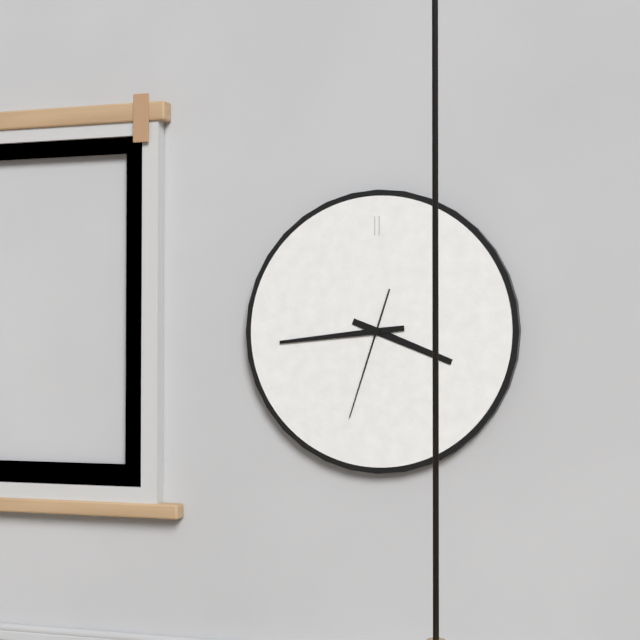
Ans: 3:44:33
